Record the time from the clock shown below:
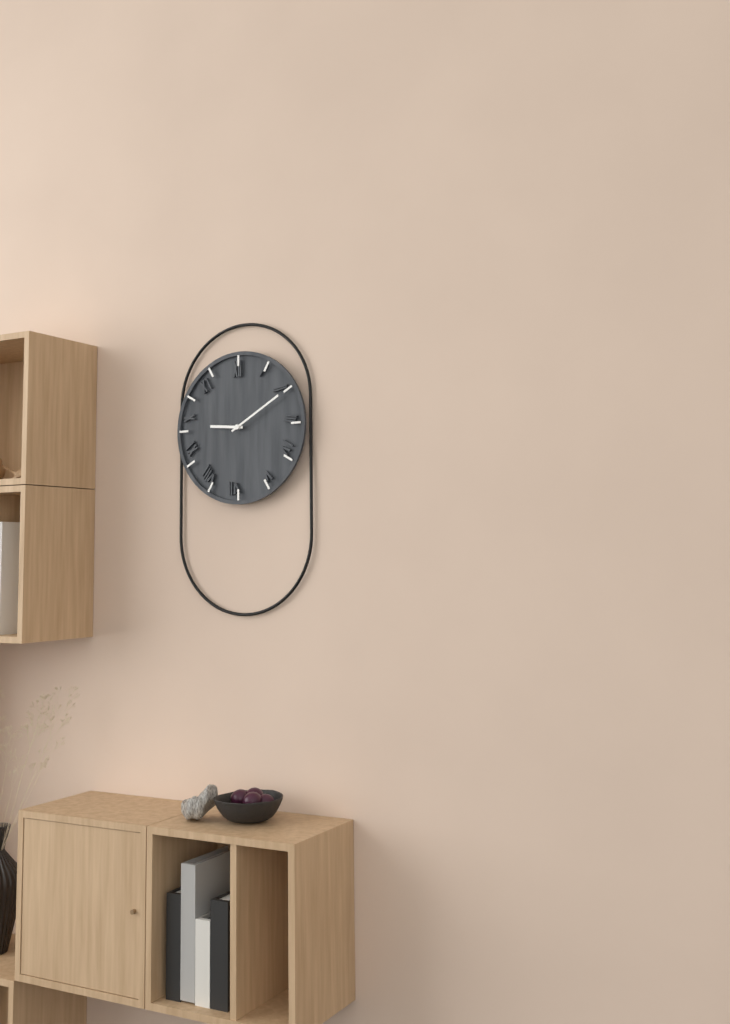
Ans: 9:10
